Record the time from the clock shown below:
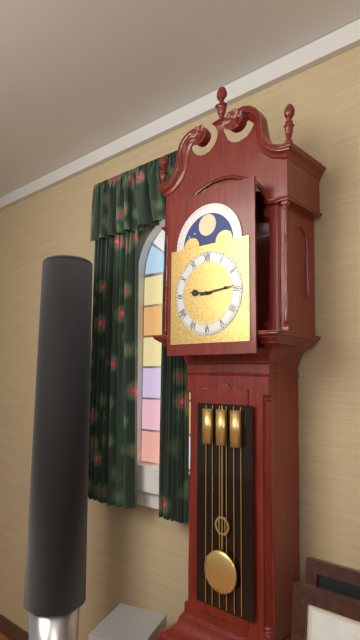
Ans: 9:14
